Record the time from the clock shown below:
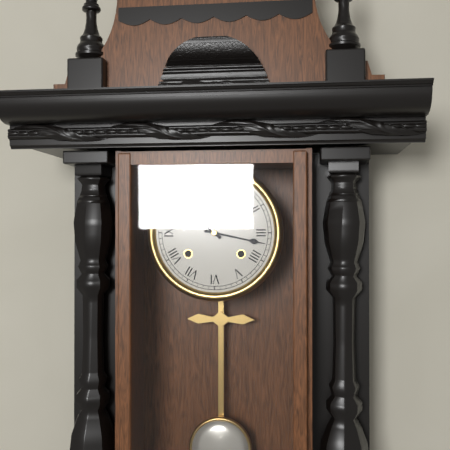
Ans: 10:17
